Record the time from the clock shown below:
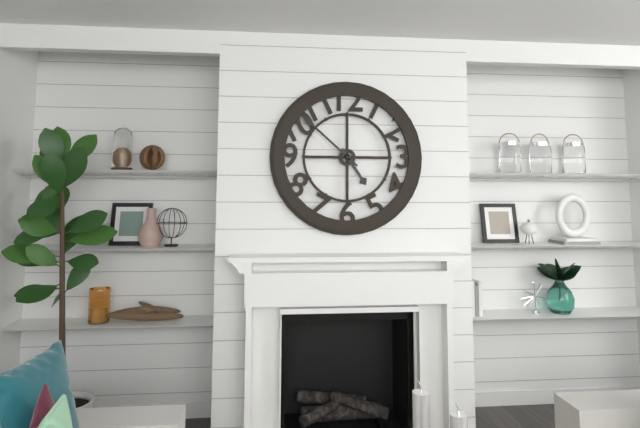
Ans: 4:52
